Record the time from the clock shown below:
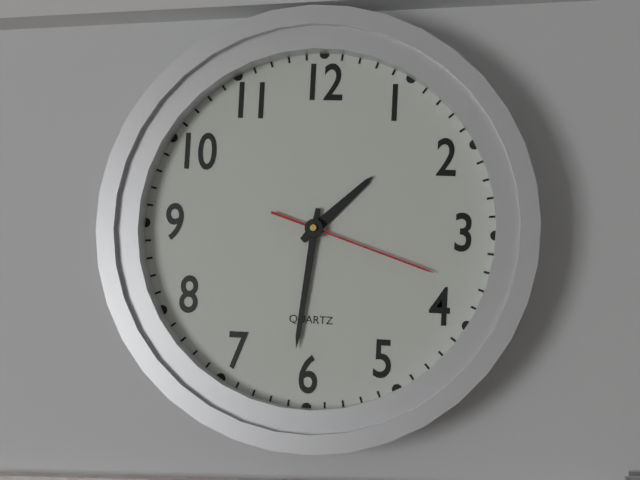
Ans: 1:31:18
